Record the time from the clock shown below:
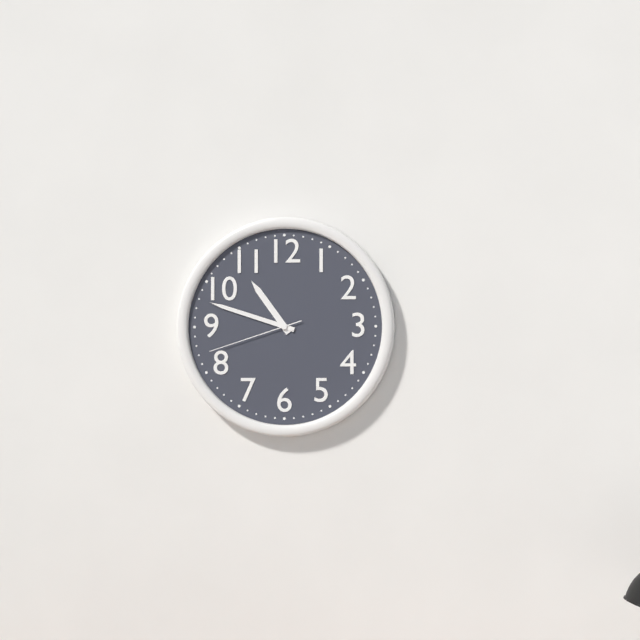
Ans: 10:48:42
